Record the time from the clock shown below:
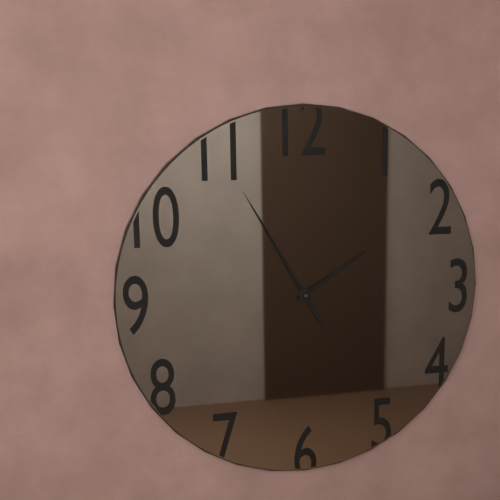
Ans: 1:55
